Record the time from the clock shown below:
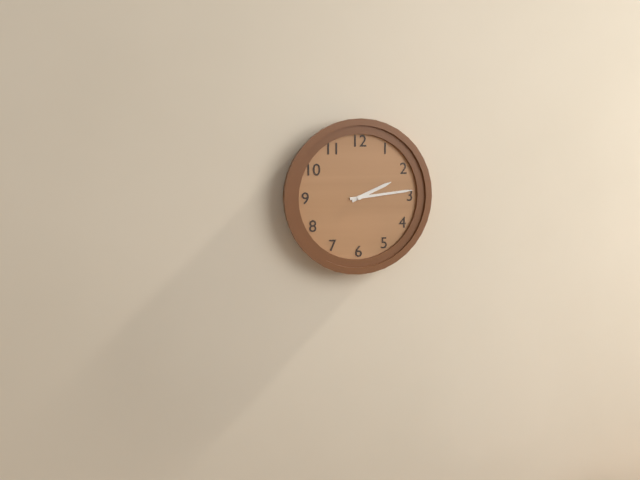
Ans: 2:14
